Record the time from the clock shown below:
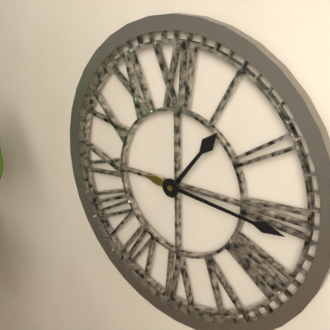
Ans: 1:16
